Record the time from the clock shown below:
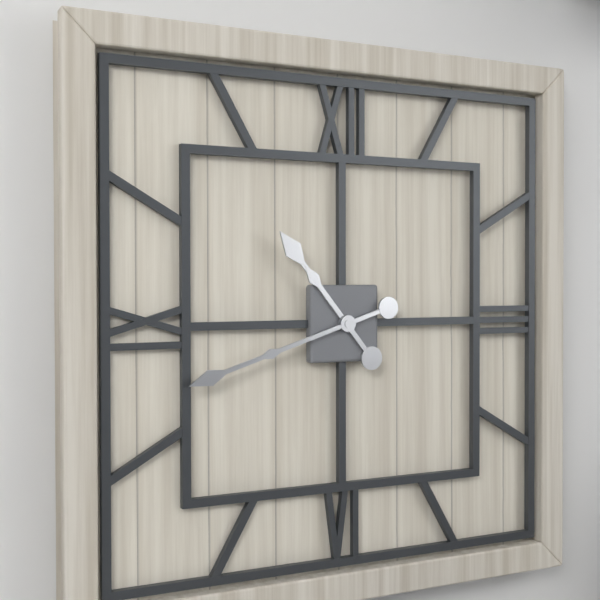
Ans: 10:42
